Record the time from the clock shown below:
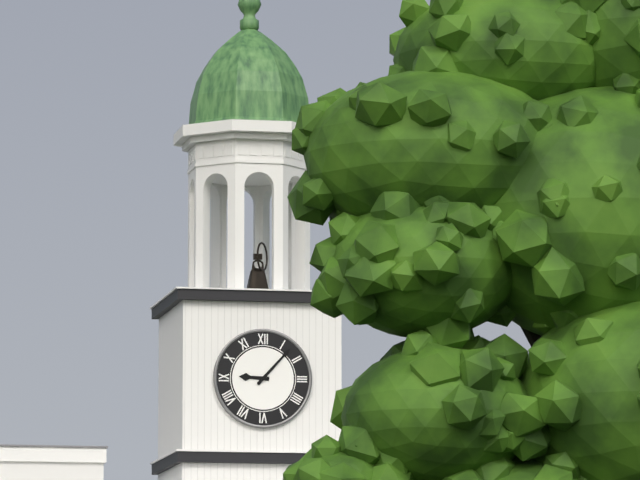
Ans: 9:07
